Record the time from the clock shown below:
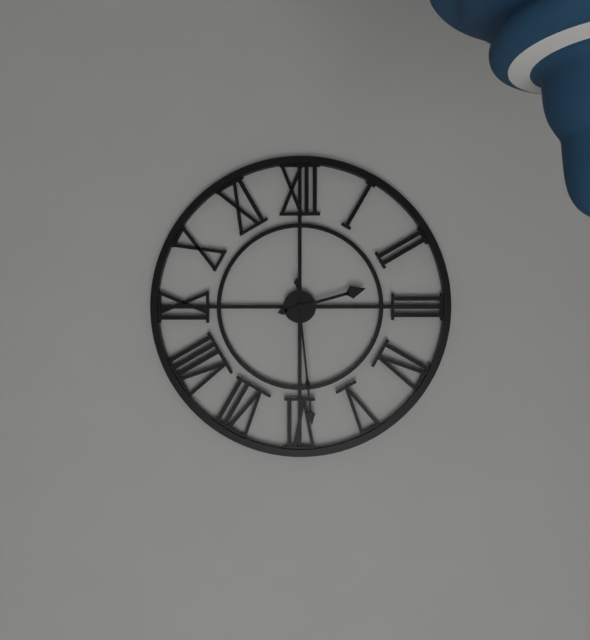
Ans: 2:29
